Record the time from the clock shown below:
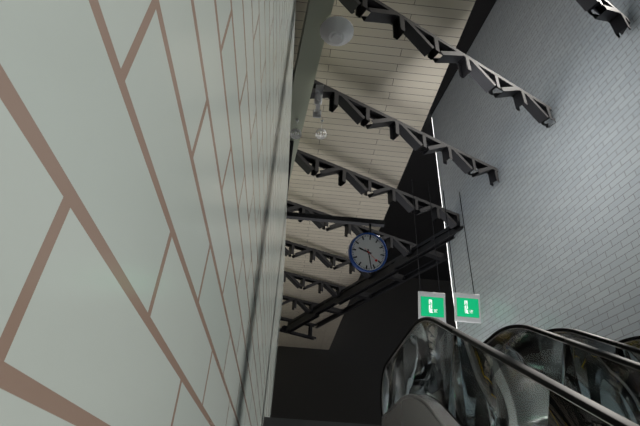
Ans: 9:27
